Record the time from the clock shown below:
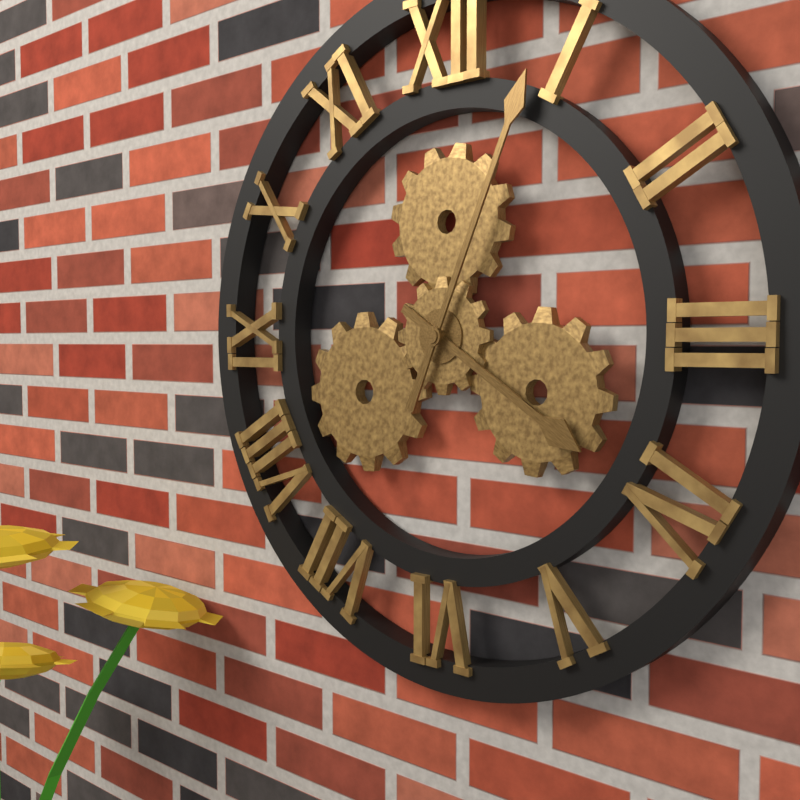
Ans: 4:04
